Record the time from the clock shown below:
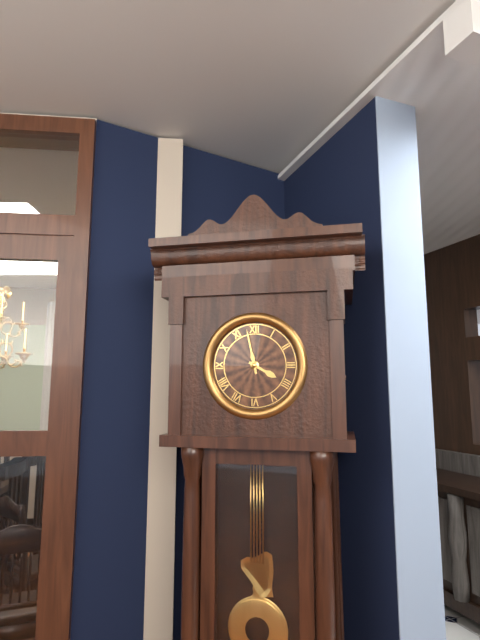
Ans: 3:58
